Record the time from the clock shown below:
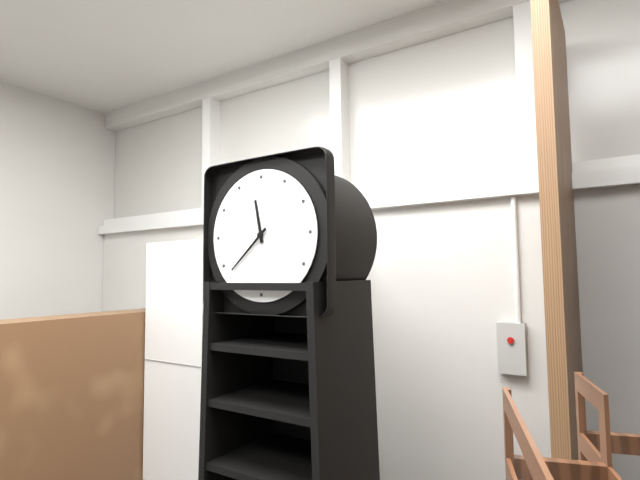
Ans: 11:38
